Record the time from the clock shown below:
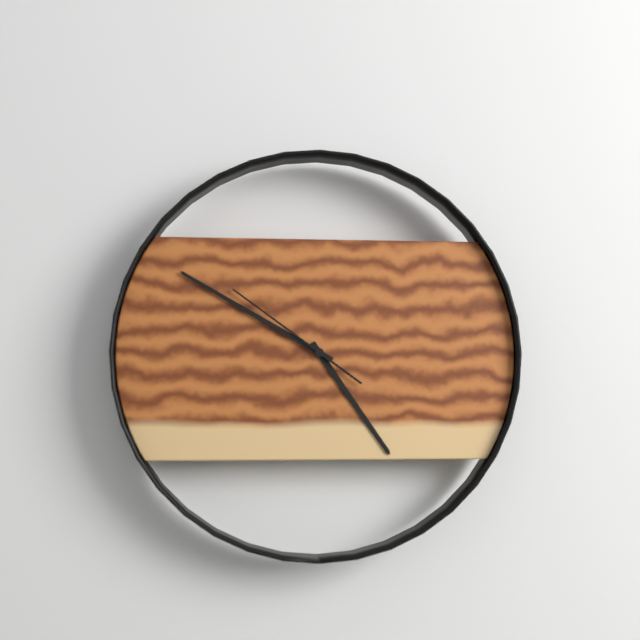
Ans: 4:50:51
